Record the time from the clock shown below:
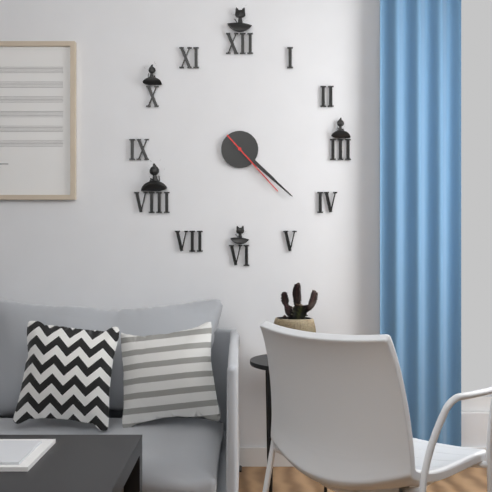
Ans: 4:22:23
